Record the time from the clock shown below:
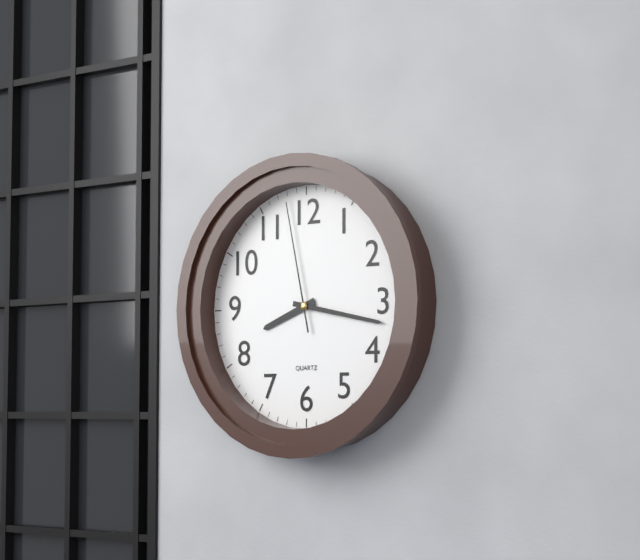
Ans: 8:17:58
